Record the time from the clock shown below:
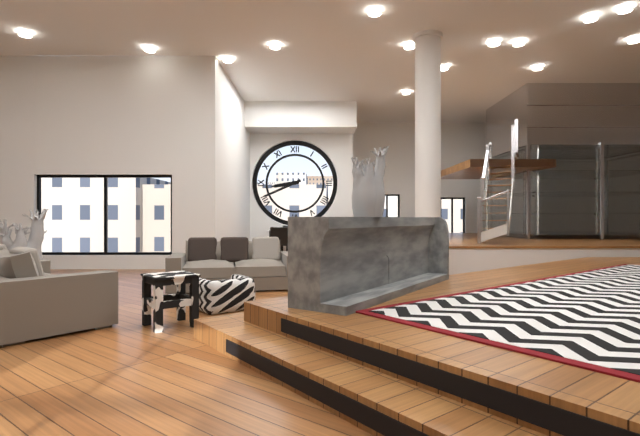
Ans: 8:41
